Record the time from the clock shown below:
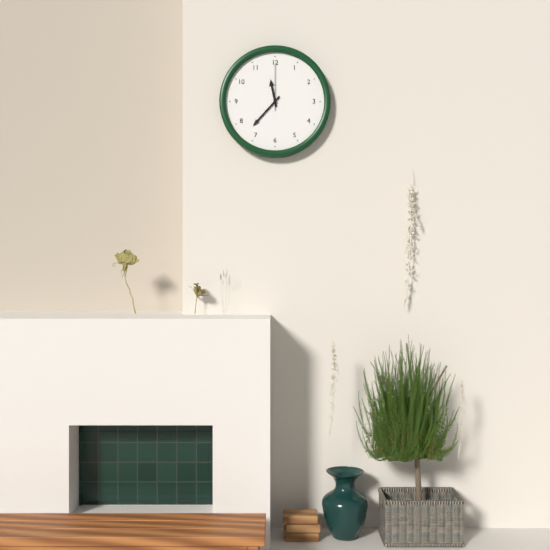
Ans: 11:37
